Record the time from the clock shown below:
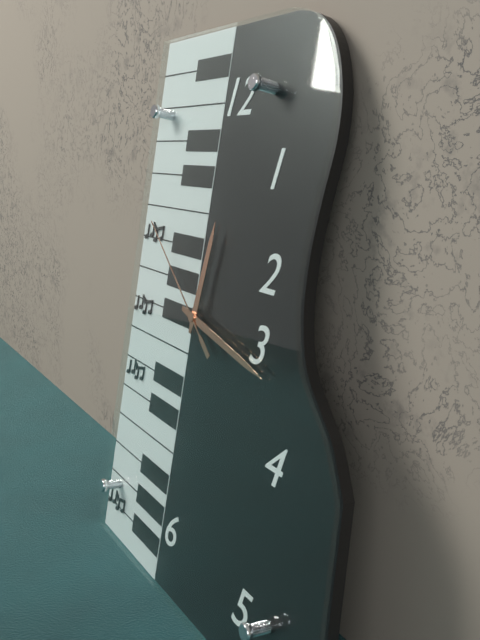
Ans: 12:17:51
